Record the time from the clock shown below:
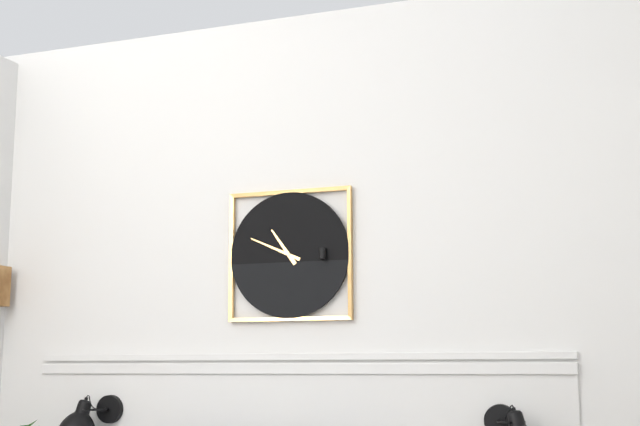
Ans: 10:49
